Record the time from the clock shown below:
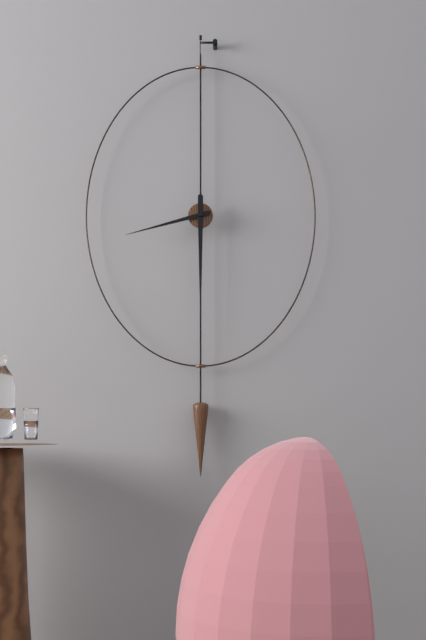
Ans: 8:30
